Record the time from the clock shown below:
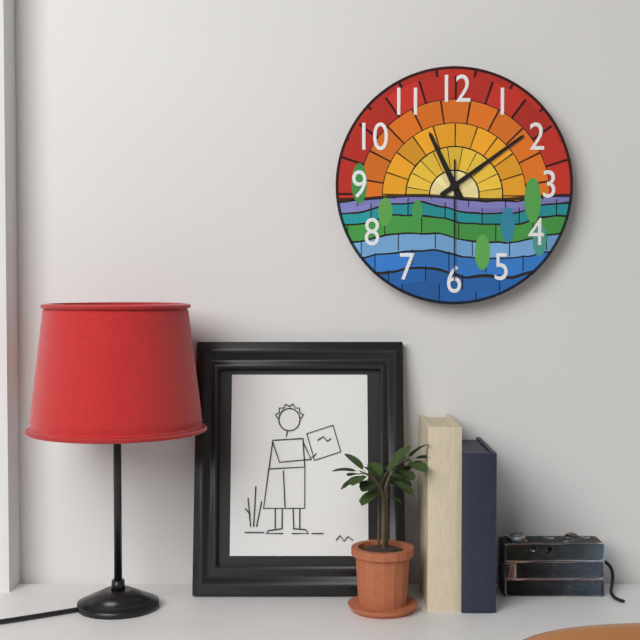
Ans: 11:09:30
